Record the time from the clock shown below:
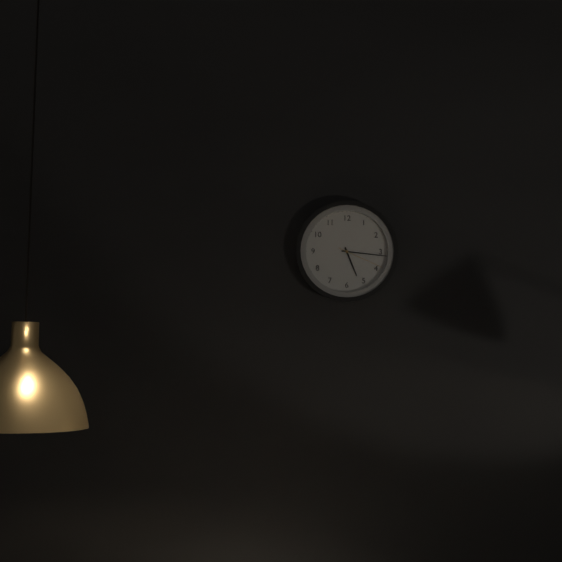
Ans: 5:16
